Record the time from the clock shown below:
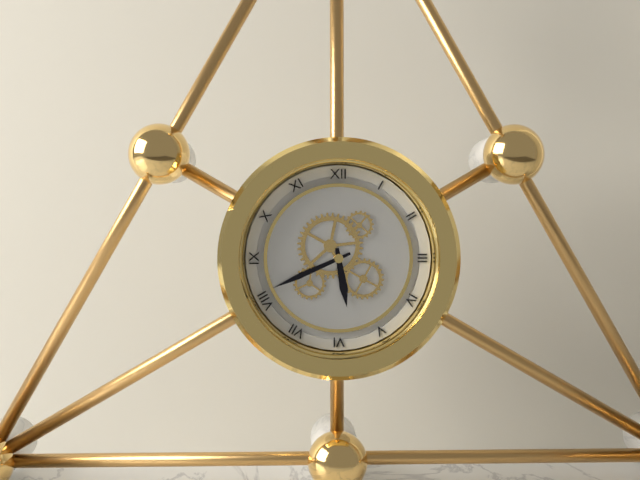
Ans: 5:41
